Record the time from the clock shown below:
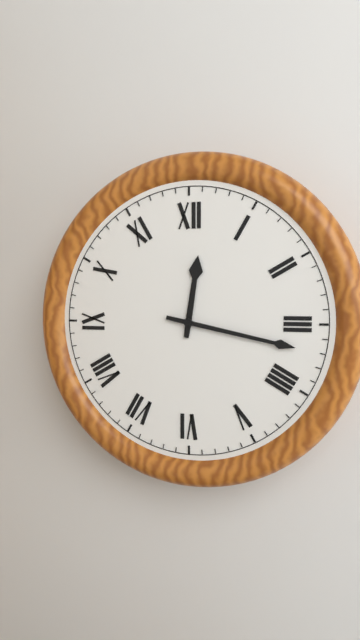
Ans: 12:17
